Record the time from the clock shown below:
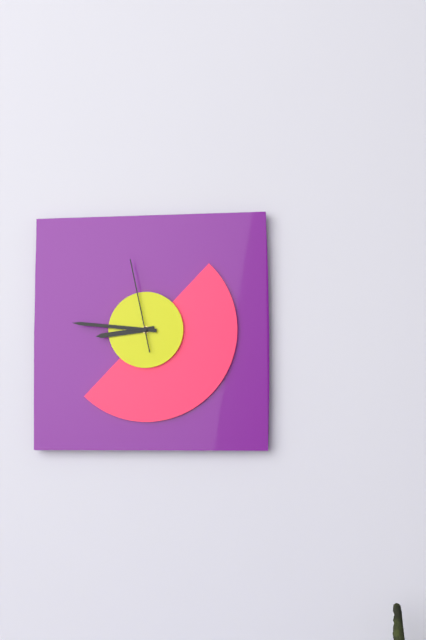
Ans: 8:46:58
